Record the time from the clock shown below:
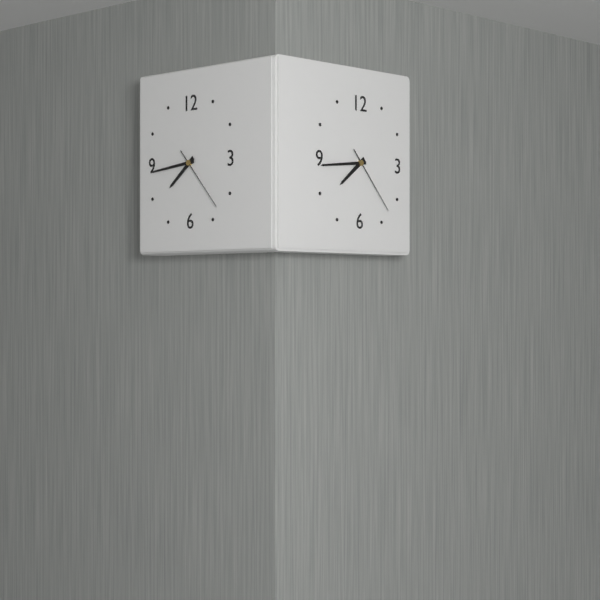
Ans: 7:44:23
